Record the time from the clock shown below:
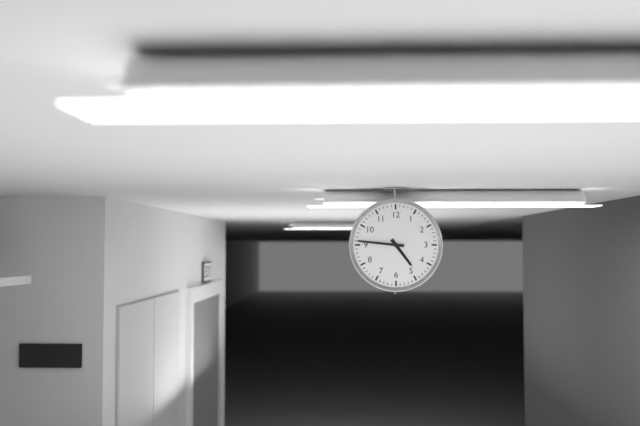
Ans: 4:46
